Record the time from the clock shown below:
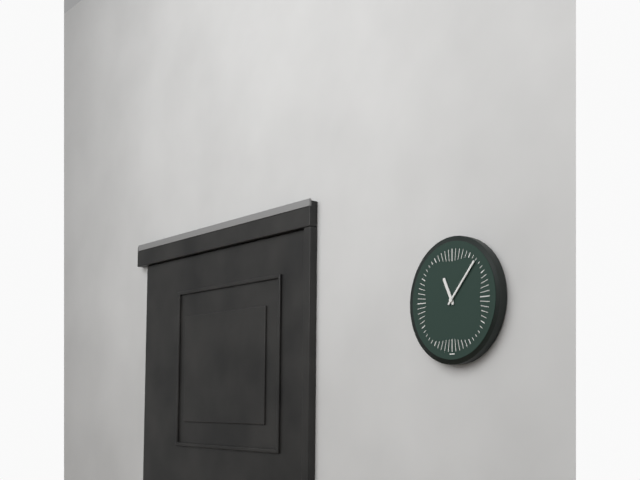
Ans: 11:07
